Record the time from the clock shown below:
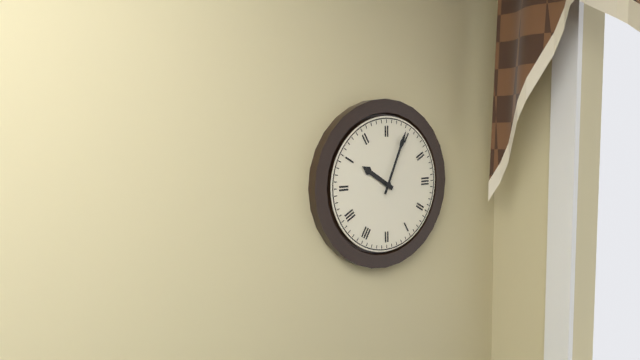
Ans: 10:04
